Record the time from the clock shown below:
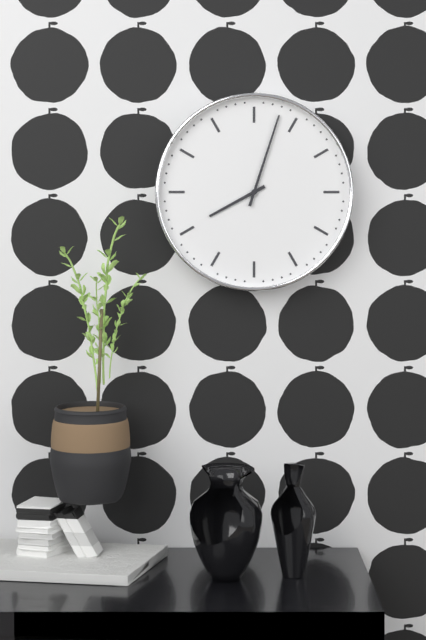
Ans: 8:03
